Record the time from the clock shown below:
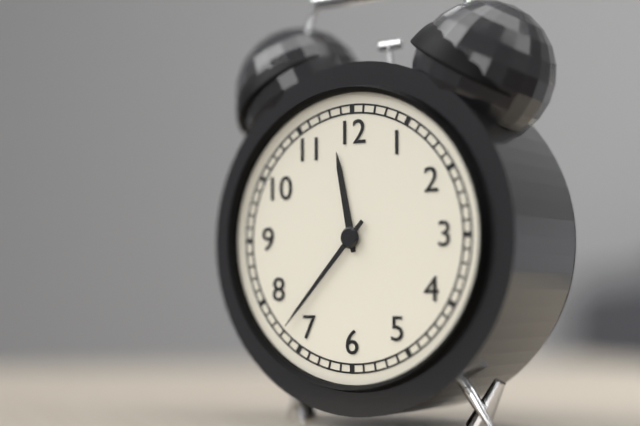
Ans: 11:37
